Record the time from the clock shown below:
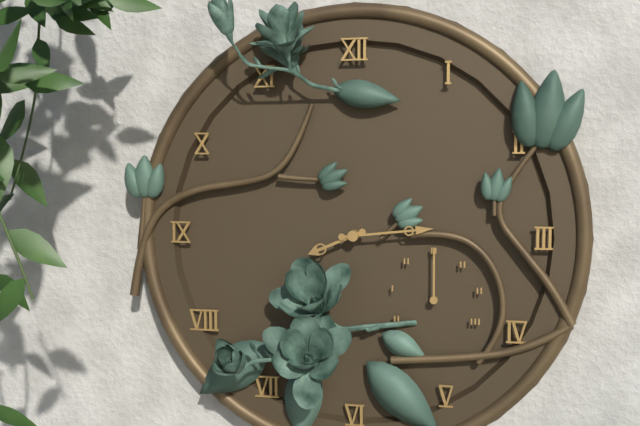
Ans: 8:14
